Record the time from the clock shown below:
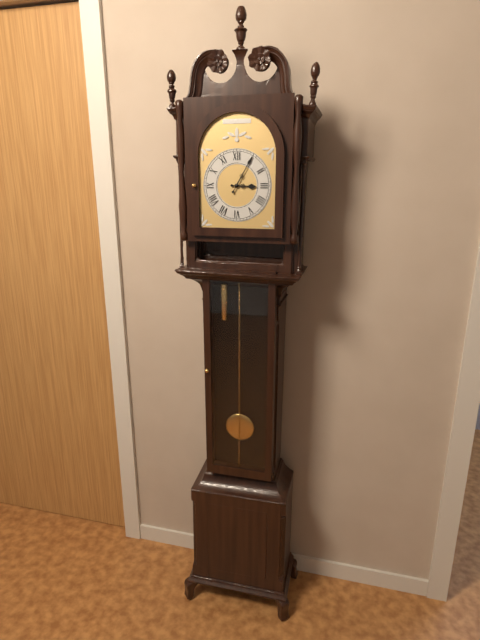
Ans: 3:05
